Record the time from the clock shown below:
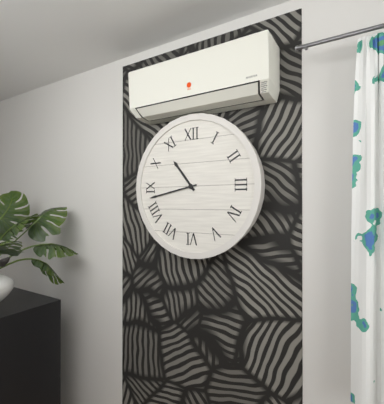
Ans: 10:43
